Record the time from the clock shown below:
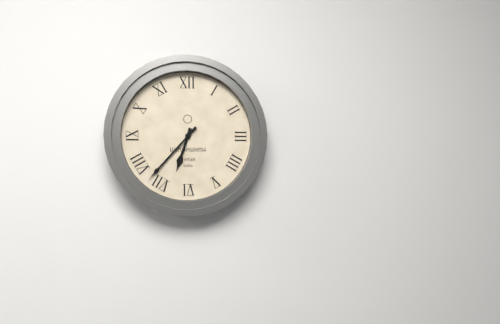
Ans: 6:37
